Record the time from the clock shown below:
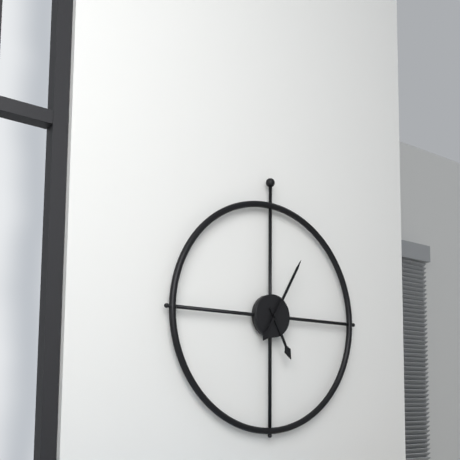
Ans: 5:05
